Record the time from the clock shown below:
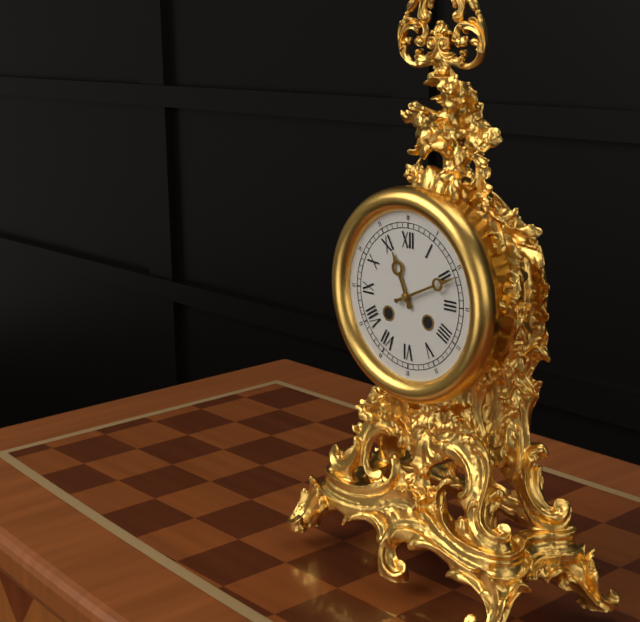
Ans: 11:11
